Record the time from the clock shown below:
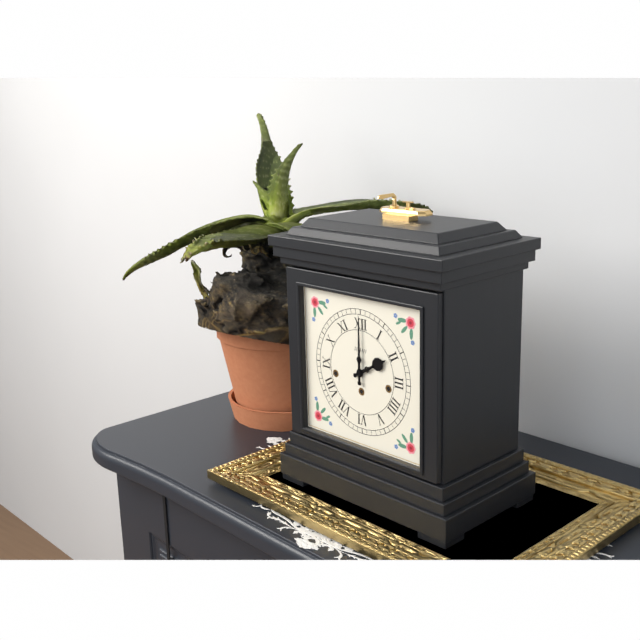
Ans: 2:00
